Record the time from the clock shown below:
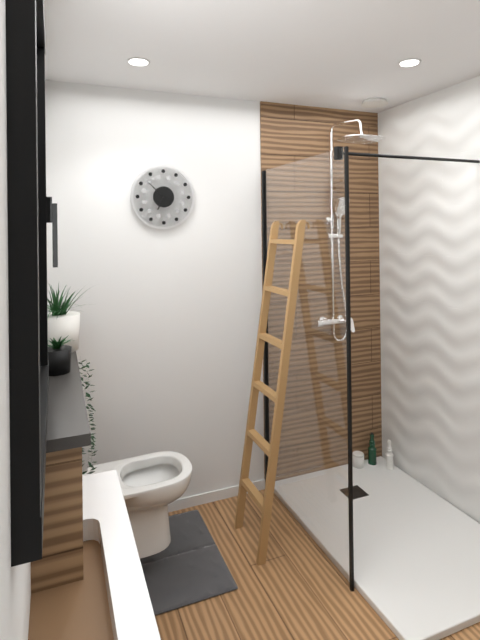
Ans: 6:52
